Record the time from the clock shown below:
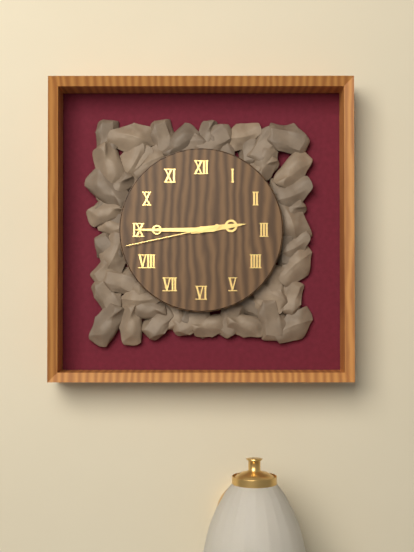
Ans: 2:45:43
